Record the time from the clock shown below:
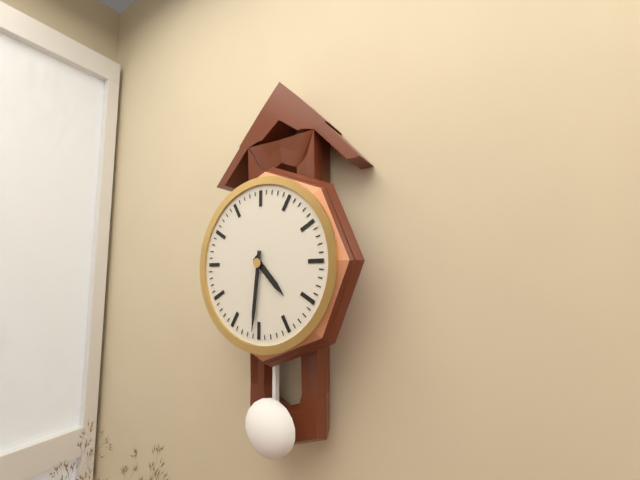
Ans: 4:31
